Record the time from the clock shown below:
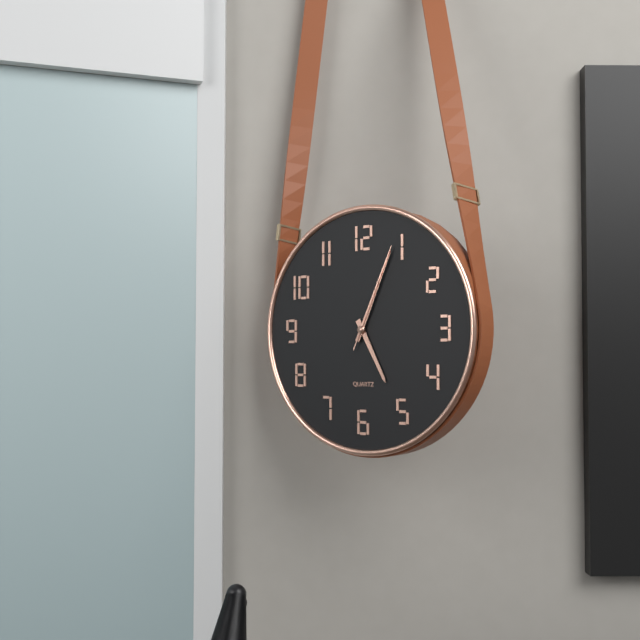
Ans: 5:04:04
